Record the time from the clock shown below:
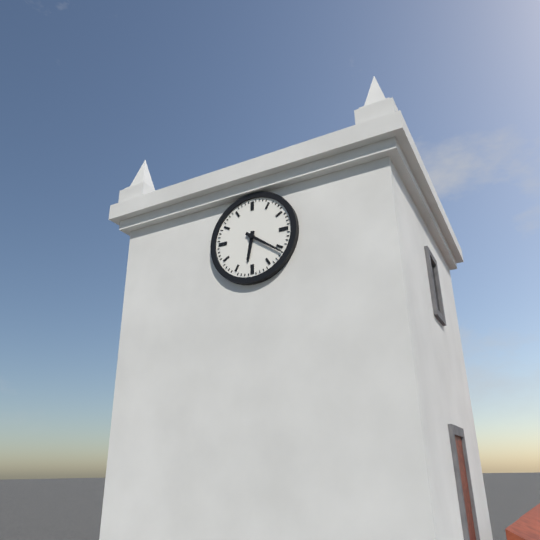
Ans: 6:21
